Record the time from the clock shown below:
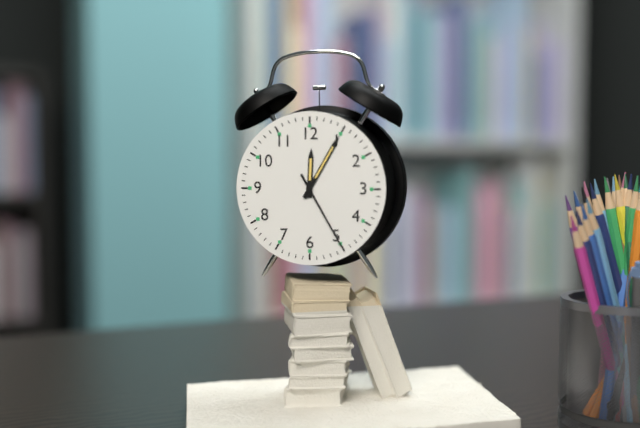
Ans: 12:05:25
